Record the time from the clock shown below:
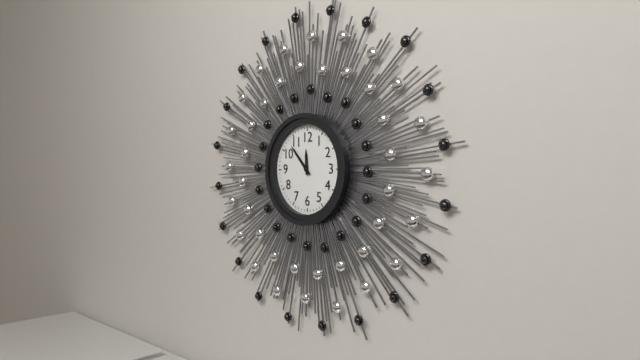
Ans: 11:53
